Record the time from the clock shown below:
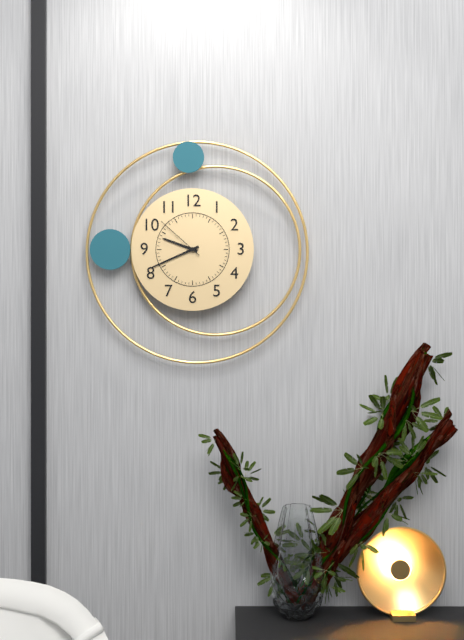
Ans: 9:41:52
